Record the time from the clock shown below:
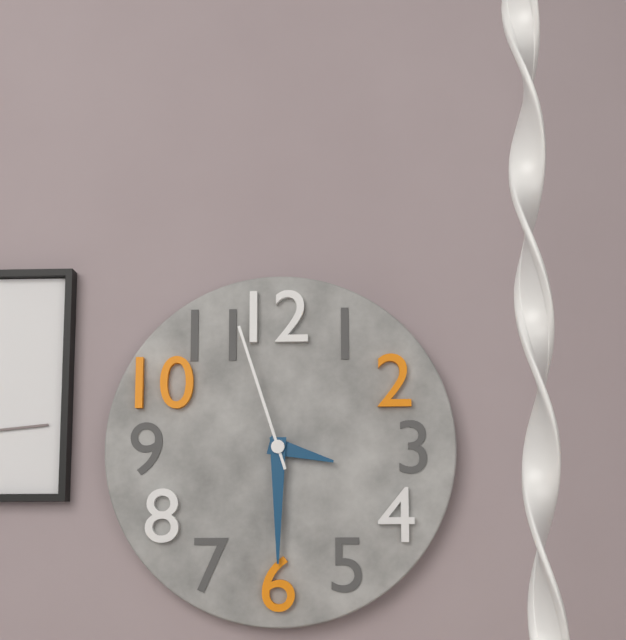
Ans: 3:30:57
